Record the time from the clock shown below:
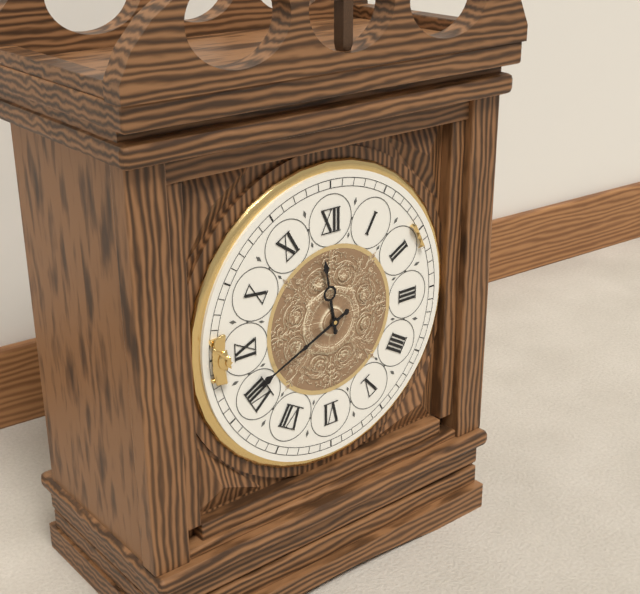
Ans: 11:41
